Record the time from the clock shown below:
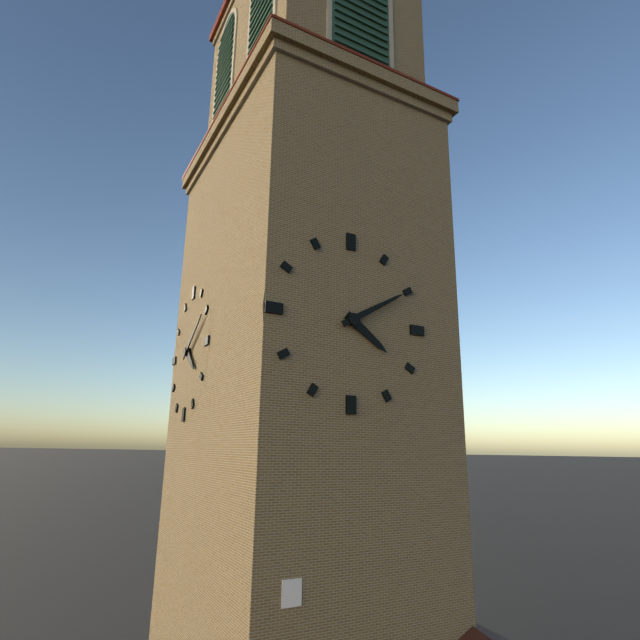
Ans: 4:10
